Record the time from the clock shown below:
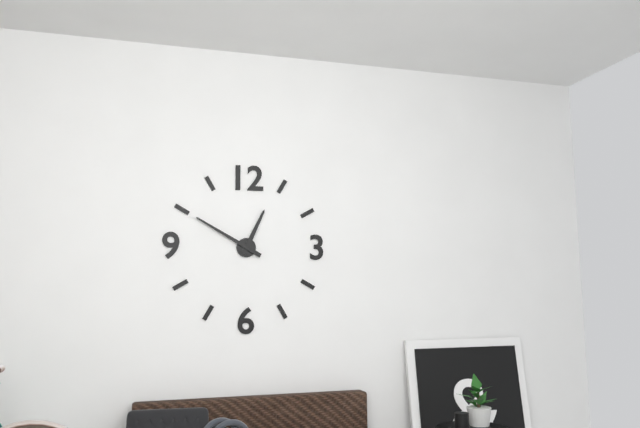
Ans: 12:50
